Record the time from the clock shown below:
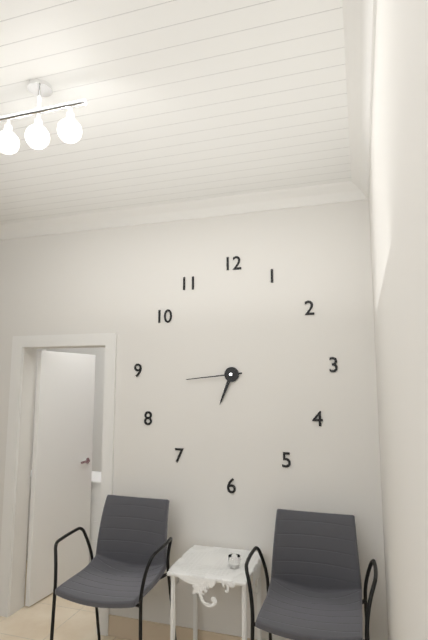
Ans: 6:44
